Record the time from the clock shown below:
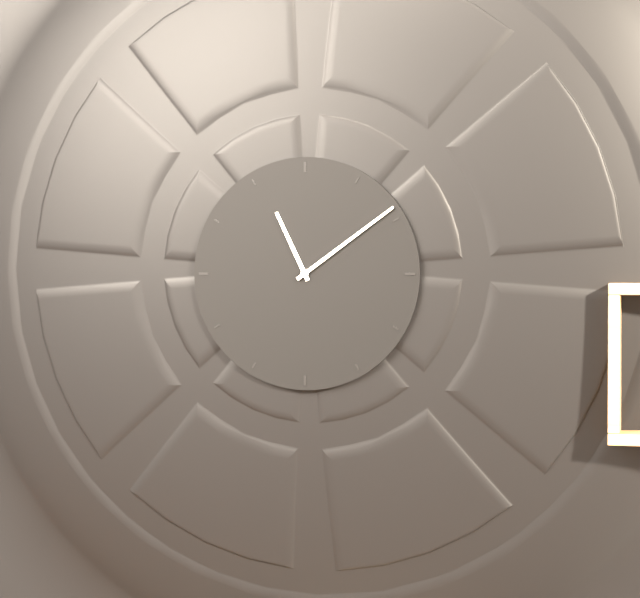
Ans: 11:09
